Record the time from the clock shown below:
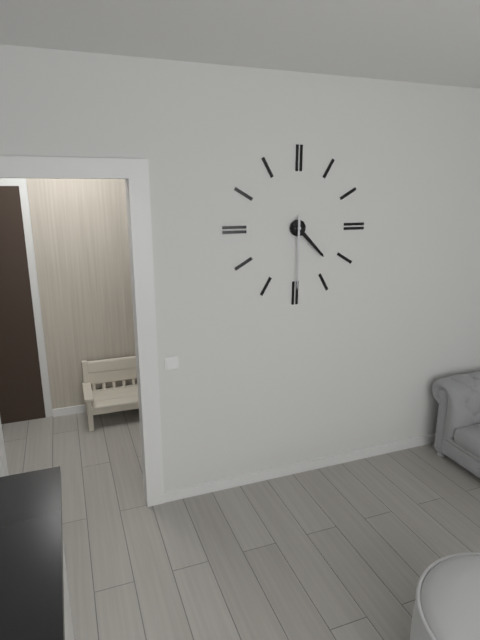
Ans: 4:30
